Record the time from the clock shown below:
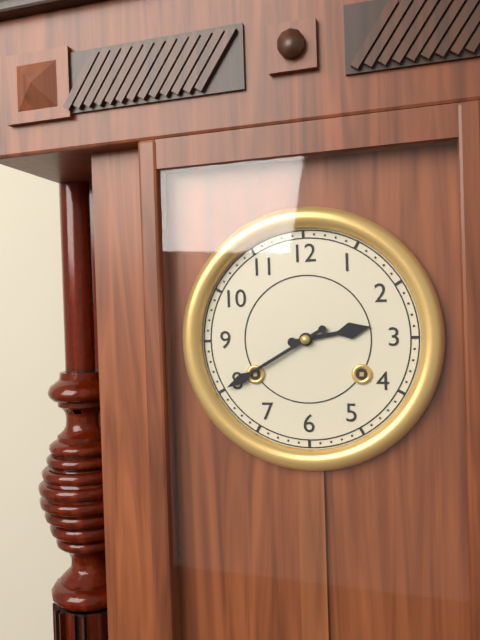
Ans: 2:40
